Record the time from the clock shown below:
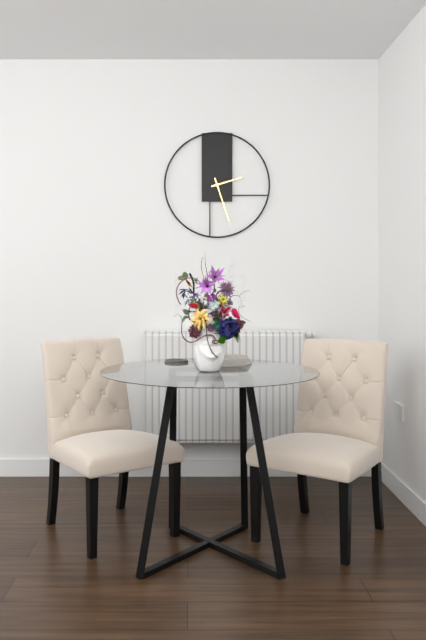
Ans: 2:27
